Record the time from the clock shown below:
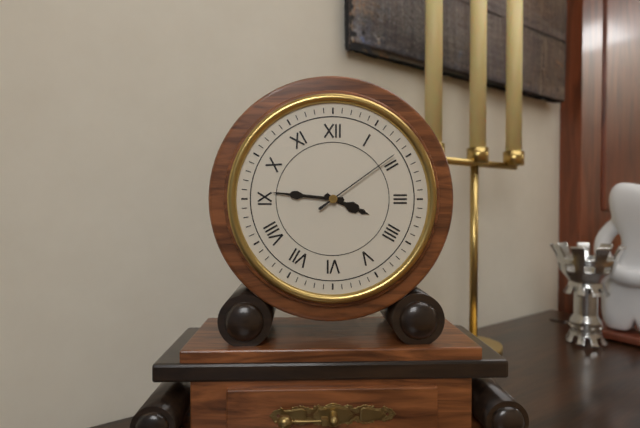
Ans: 3:46:09
